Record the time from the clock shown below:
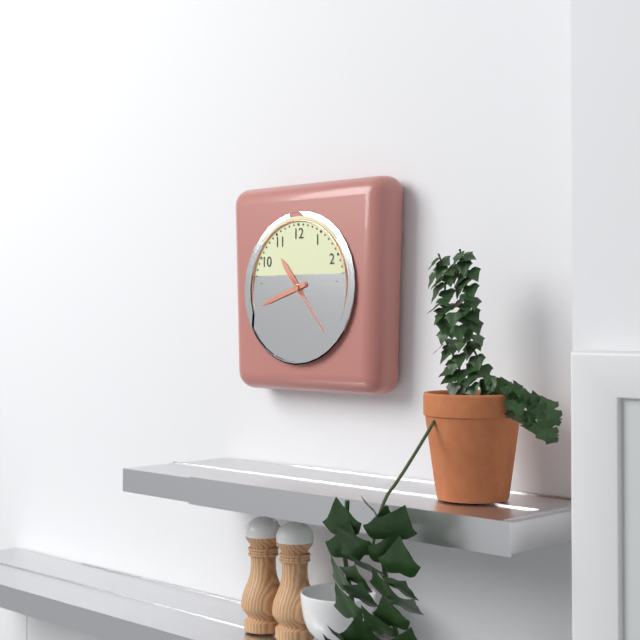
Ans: 10:42:23
